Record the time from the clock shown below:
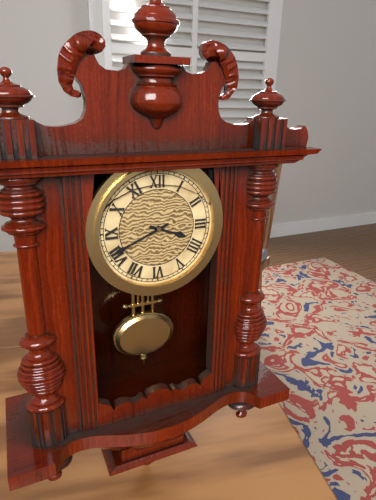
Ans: 3:41
